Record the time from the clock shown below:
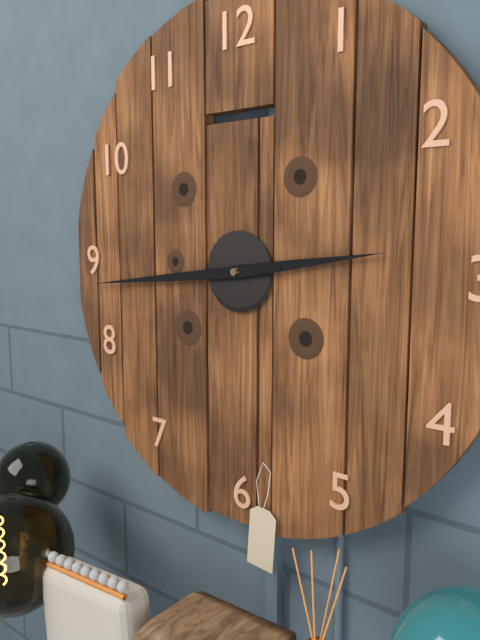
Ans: 2:44
